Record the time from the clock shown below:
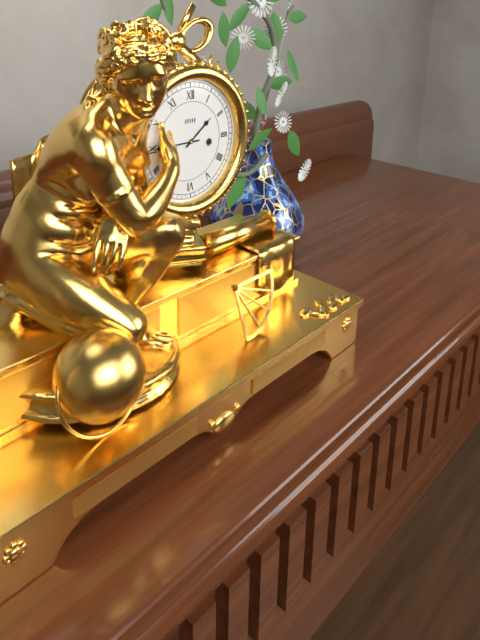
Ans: 1:45
